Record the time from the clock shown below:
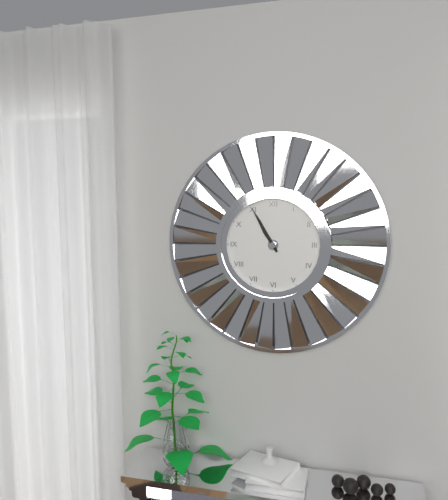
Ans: 10:55
